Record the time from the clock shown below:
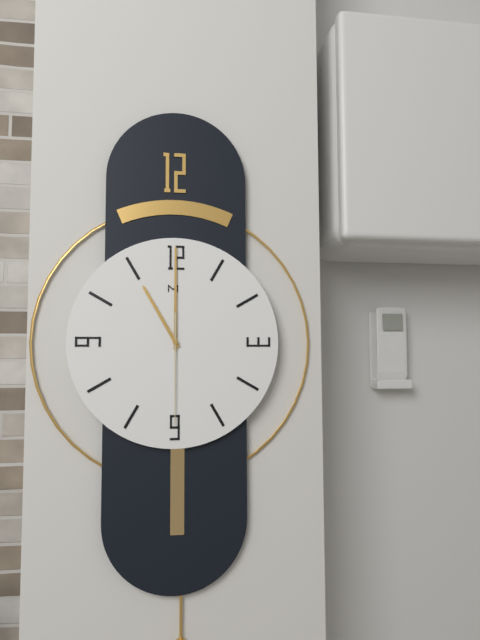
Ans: 11:00:30
